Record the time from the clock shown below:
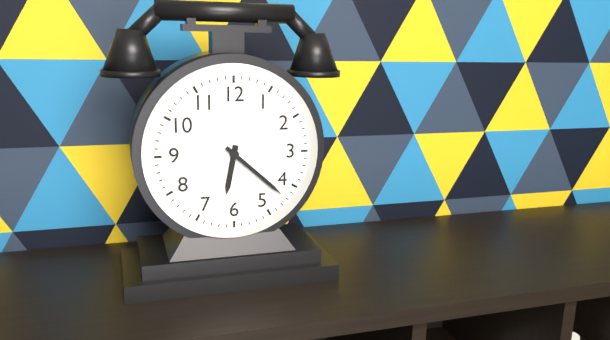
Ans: 6:22
